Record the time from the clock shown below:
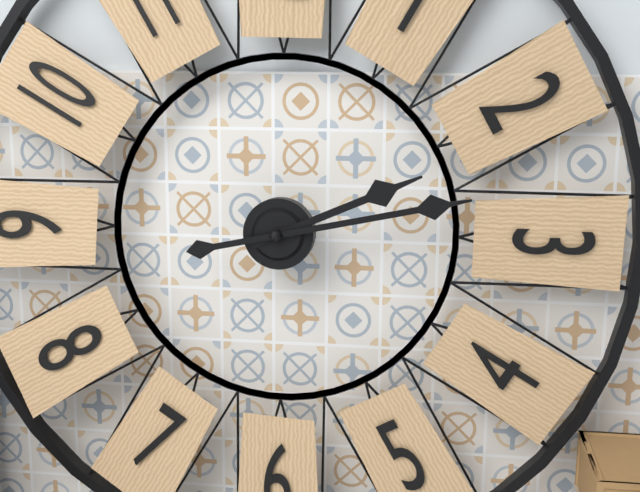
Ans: 2:13
